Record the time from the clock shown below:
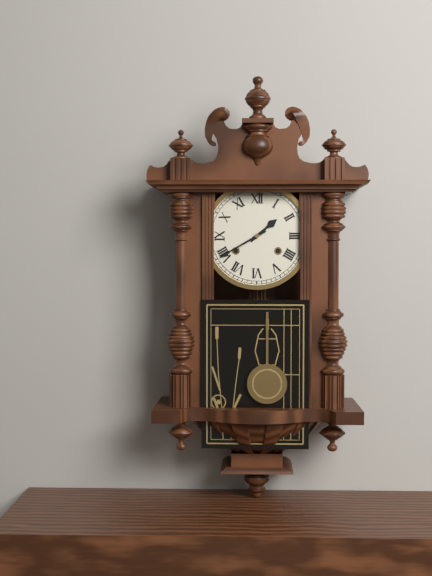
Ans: 1:40
